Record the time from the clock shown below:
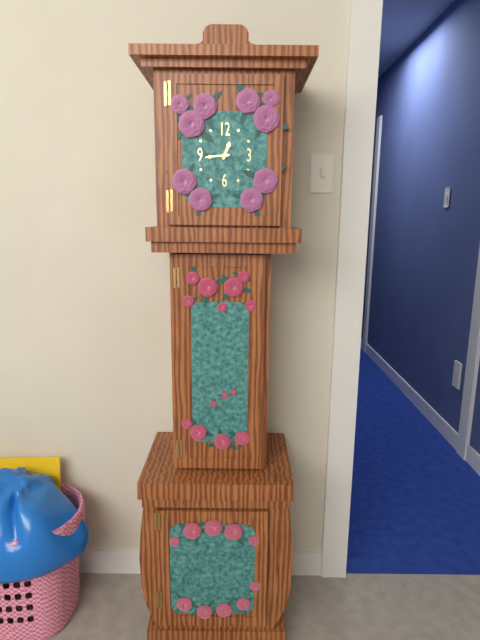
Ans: 12:44
